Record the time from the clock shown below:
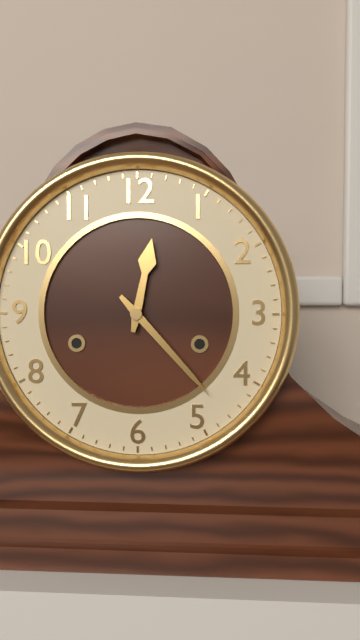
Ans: 12:23
